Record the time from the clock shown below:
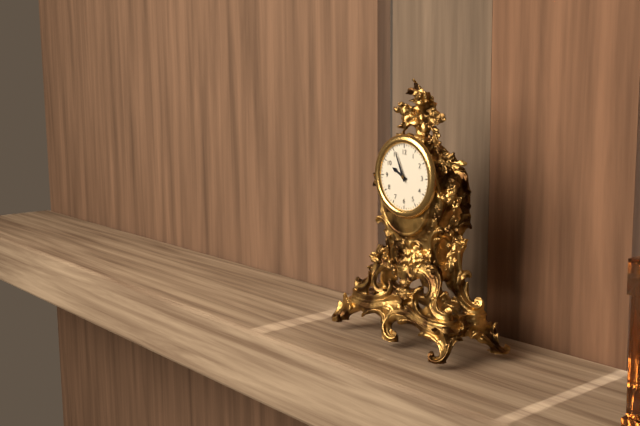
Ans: 9:56
